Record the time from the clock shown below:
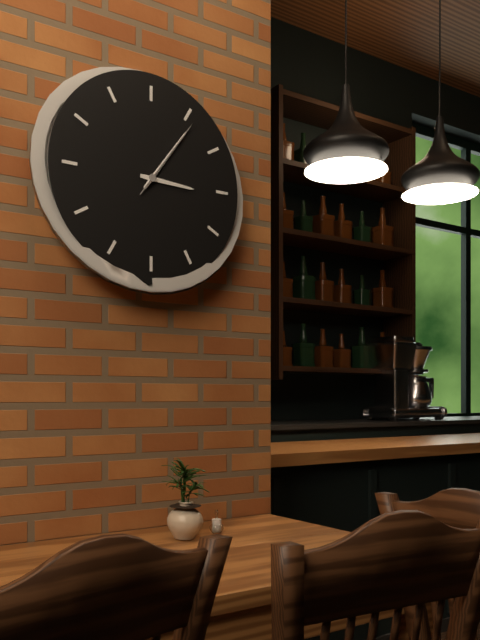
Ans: 3:06:06
